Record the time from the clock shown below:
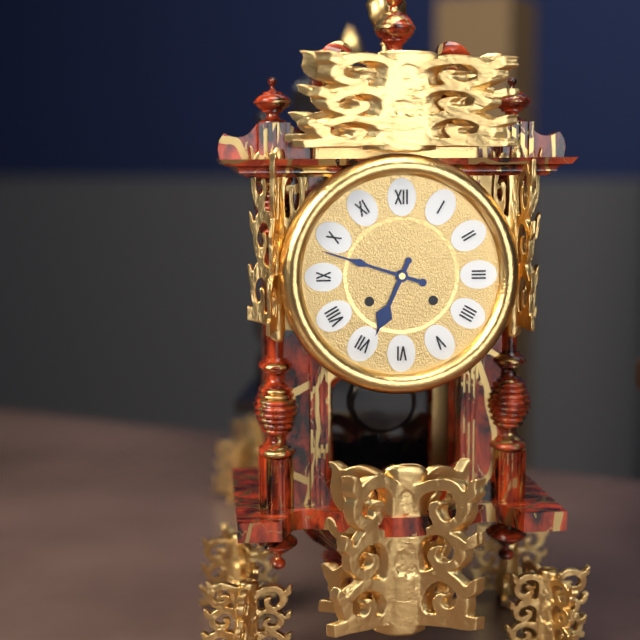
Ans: 6:48
